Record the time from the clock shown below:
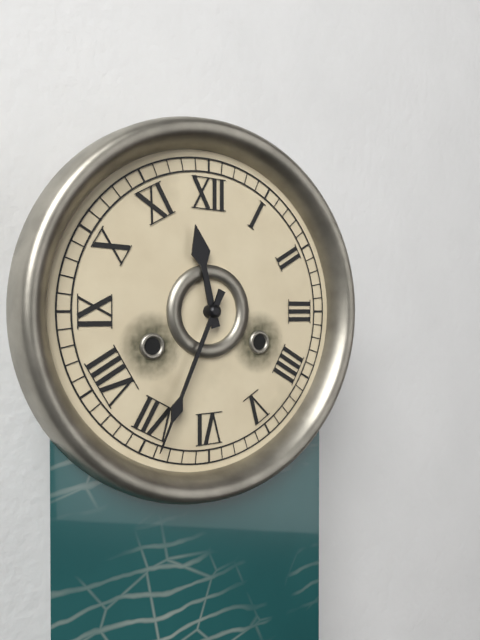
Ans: 11:34
